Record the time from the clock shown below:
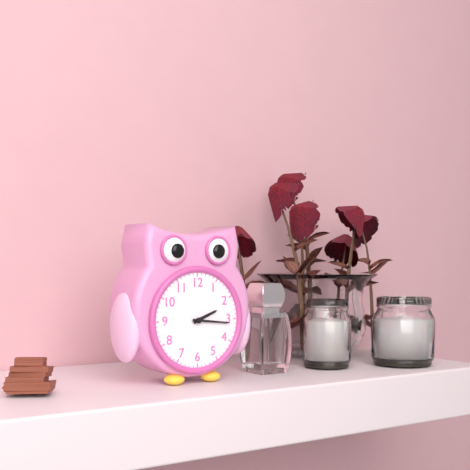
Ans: 2:16
